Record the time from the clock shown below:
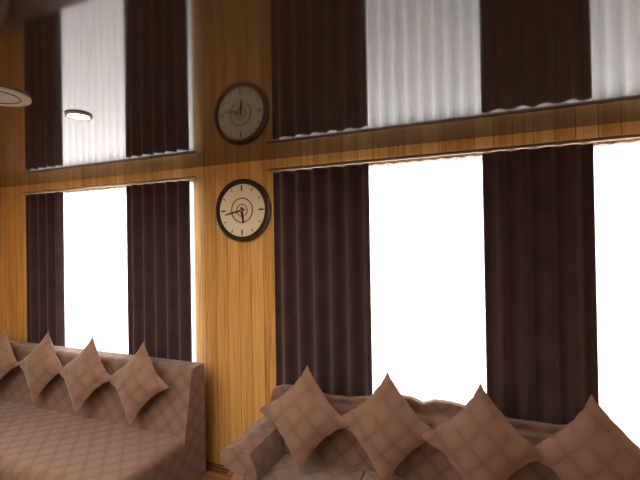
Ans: 5:43
